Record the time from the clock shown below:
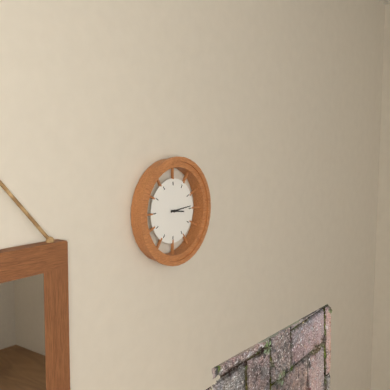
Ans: 3:14
